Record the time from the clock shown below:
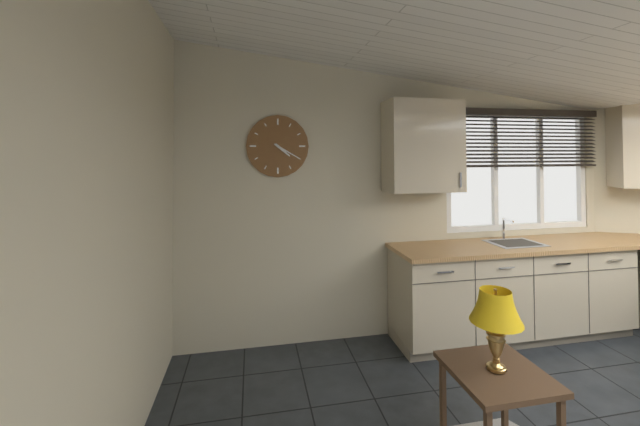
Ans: 4:20
